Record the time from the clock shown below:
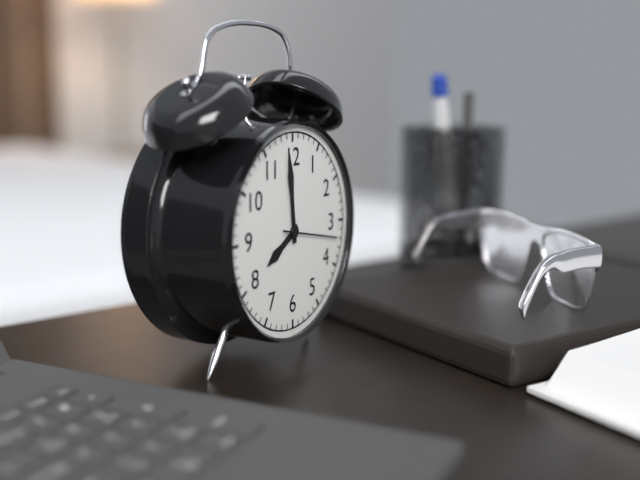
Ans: 7:59:17
